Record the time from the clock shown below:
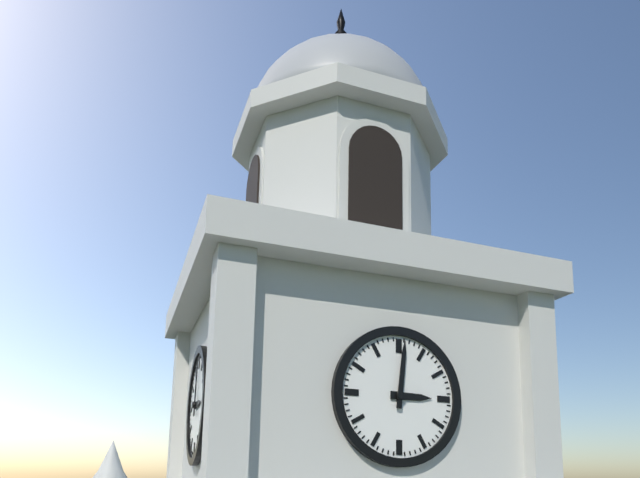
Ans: 3:01
